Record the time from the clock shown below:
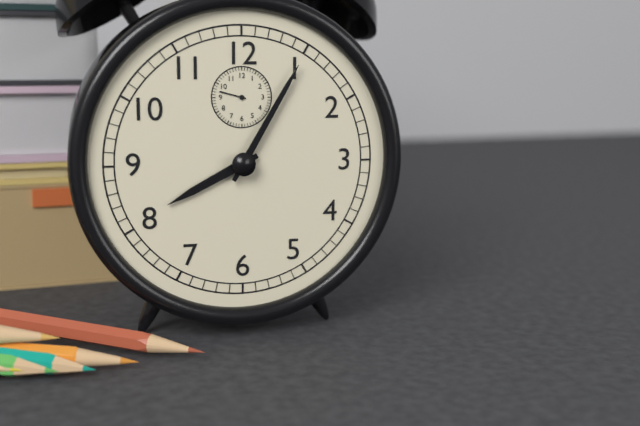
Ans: 8:05
